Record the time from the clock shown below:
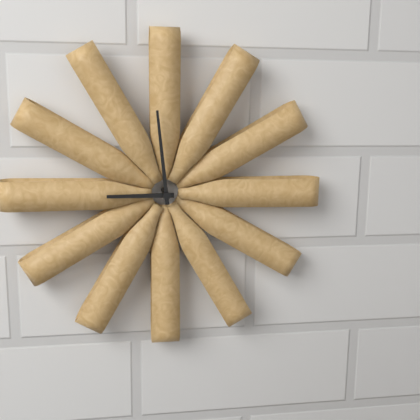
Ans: 8:59
